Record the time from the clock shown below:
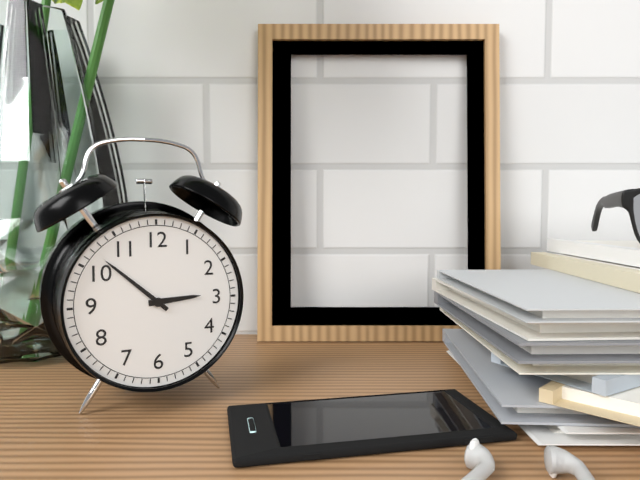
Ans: 2:52
